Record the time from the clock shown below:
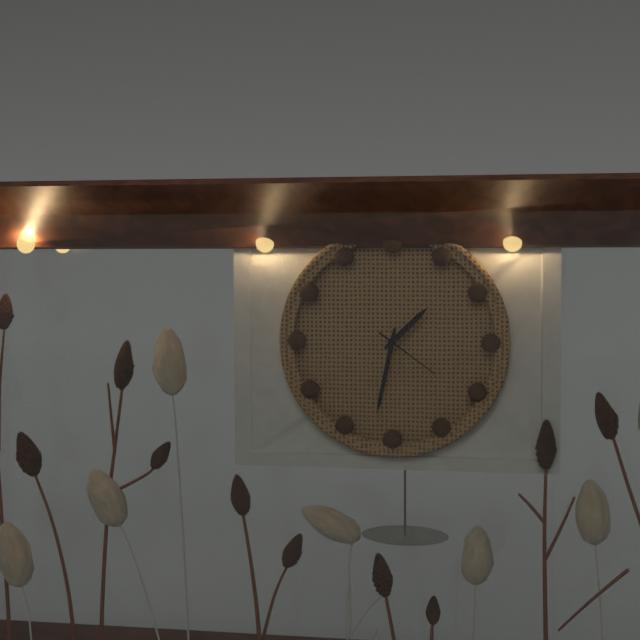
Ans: 1:32:21
